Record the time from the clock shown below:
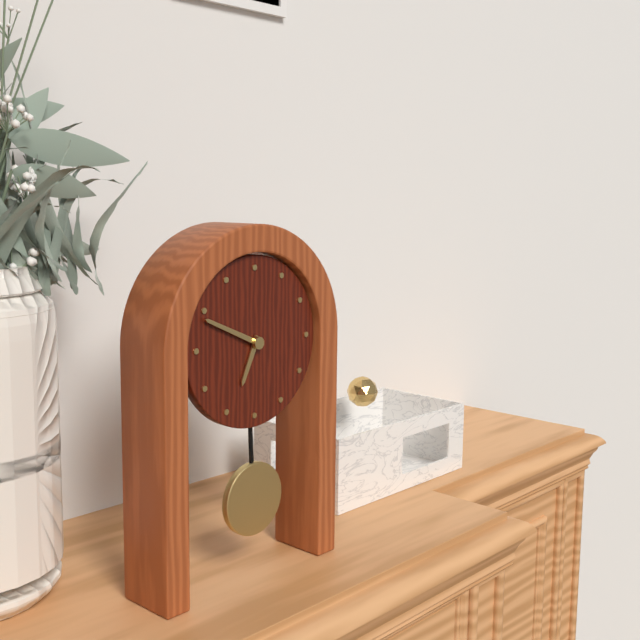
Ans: 6:49
